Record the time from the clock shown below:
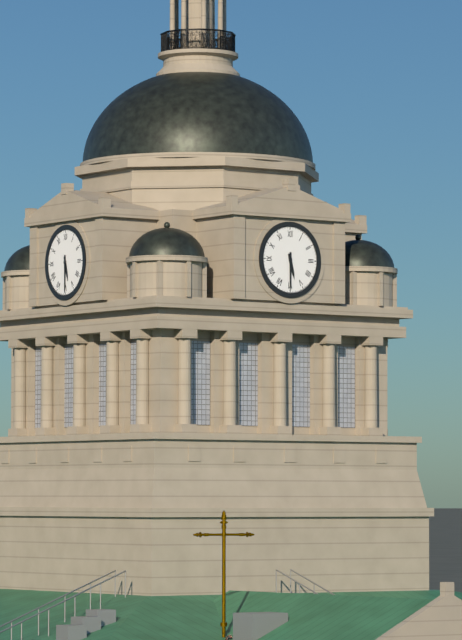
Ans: 5:30
